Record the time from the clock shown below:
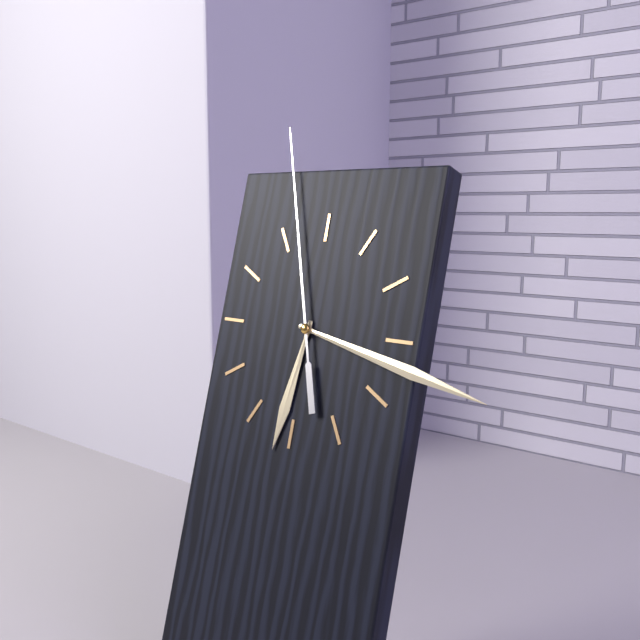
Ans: 6:17:57
